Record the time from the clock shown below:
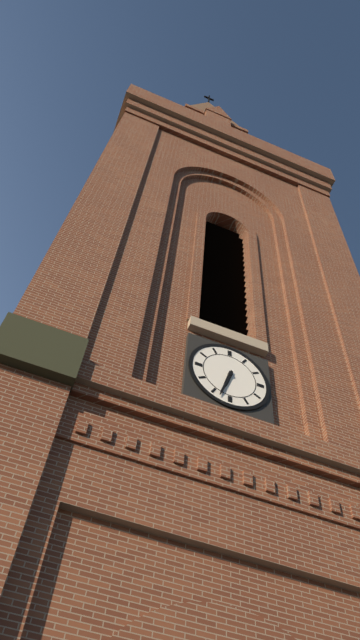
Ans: 6:33
